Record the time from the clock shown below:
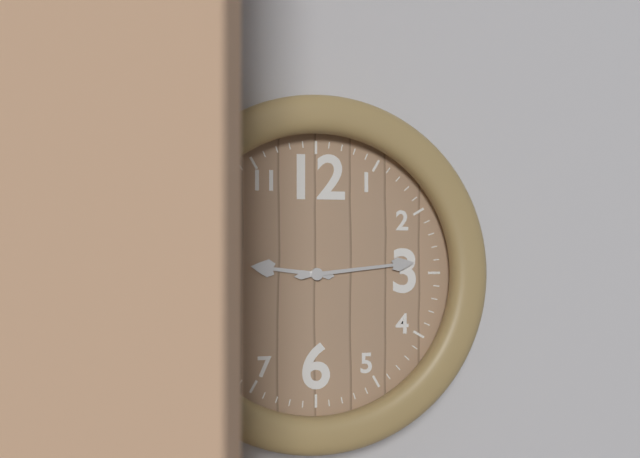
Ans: 9:14
